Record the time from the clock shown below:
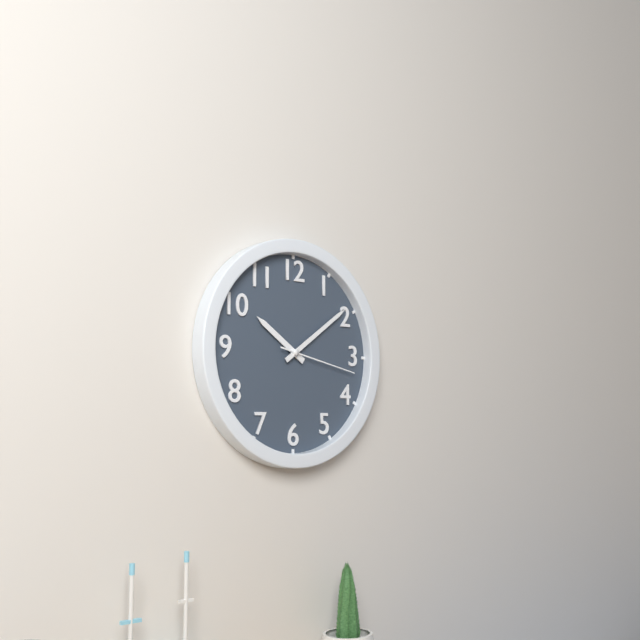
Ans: 10:09:17
